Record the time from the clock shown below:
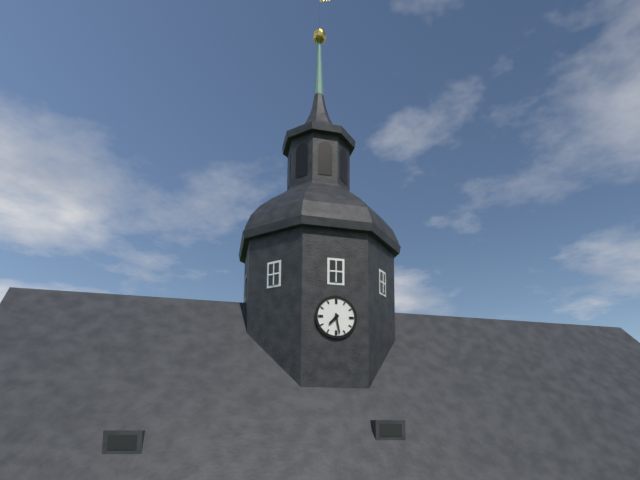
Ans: 7:28
